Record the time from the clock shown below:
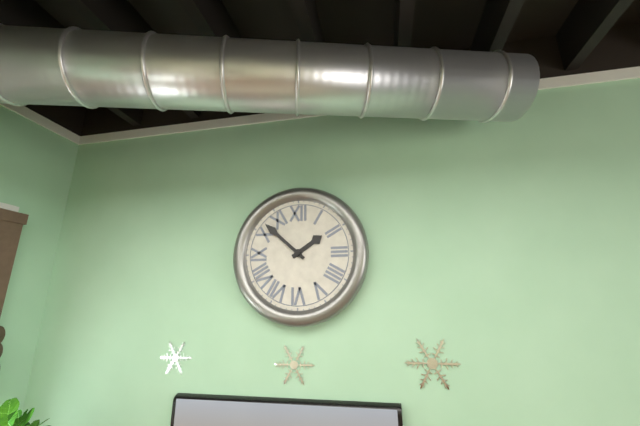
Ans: 1:52
